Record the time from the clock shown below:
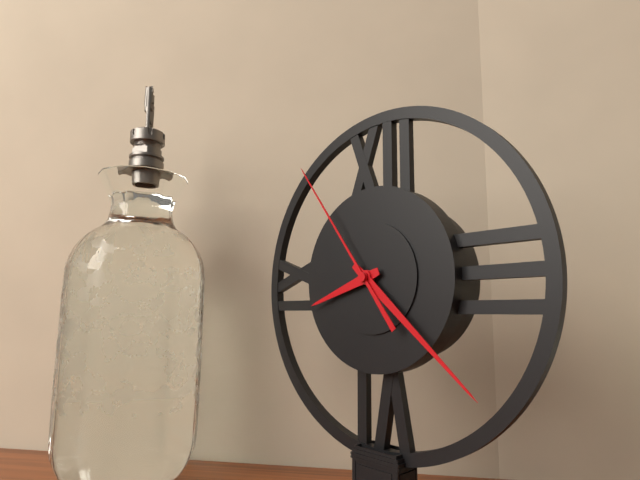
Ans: 8:22:54
